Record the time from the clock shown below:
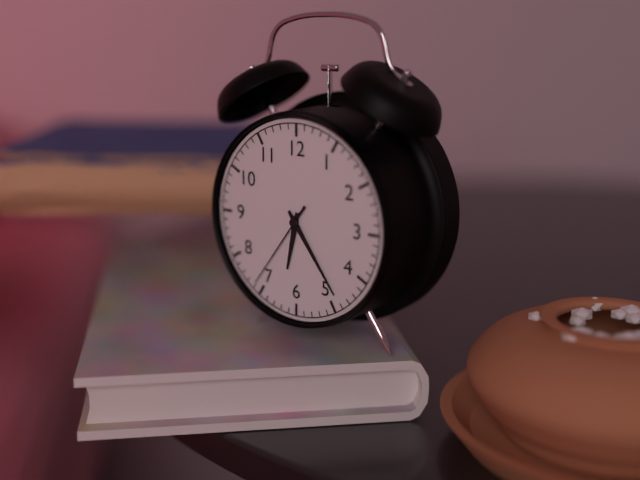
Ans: 6:24:36
